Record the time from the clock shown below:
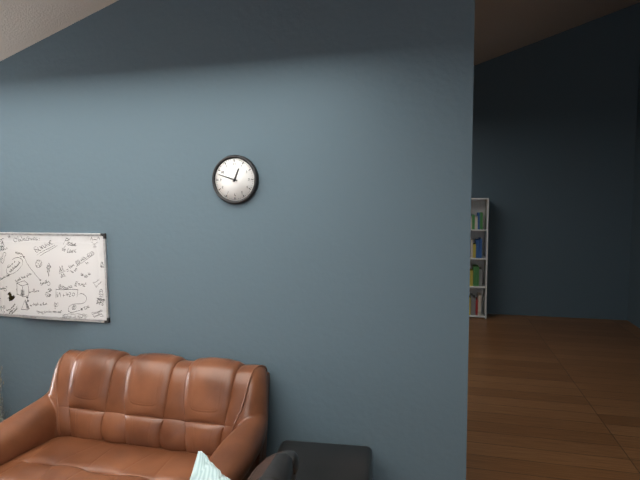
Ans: 12:48
